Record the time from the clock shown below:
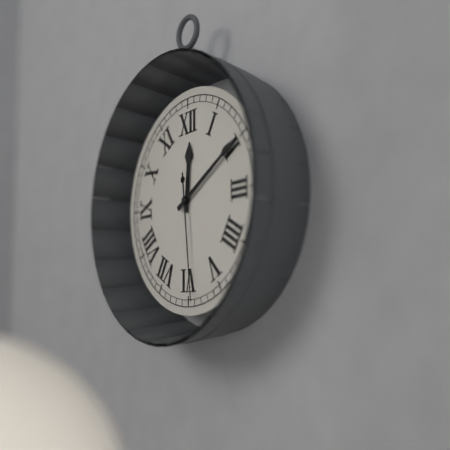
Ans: 12:10:29
